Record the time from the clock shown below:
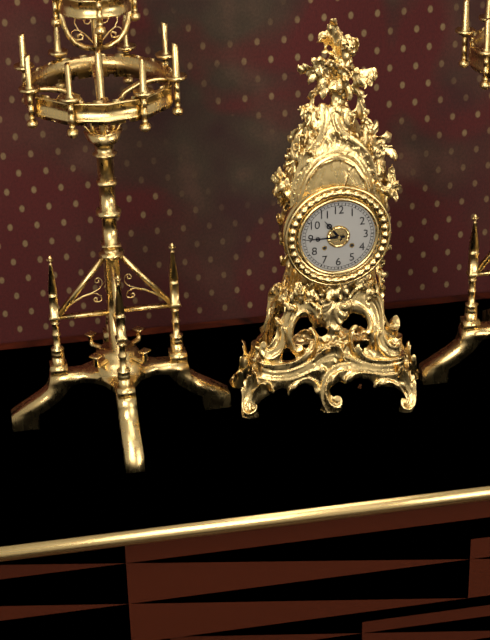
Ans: 10:45
